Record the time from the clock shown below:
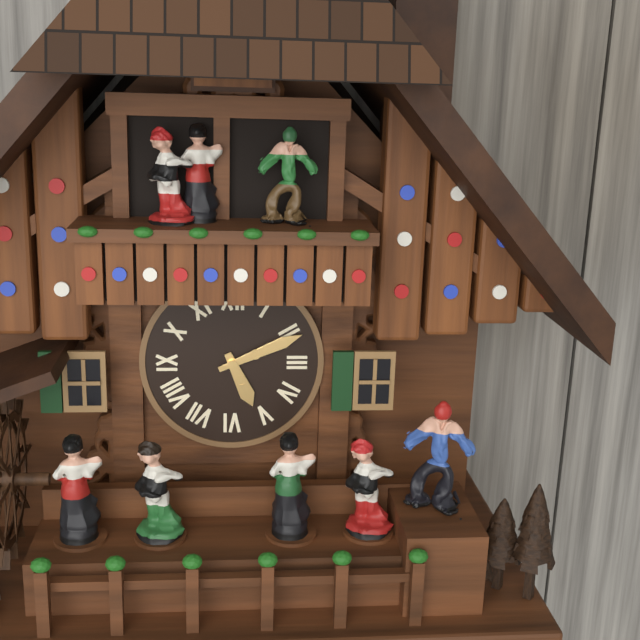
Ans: 5:11
